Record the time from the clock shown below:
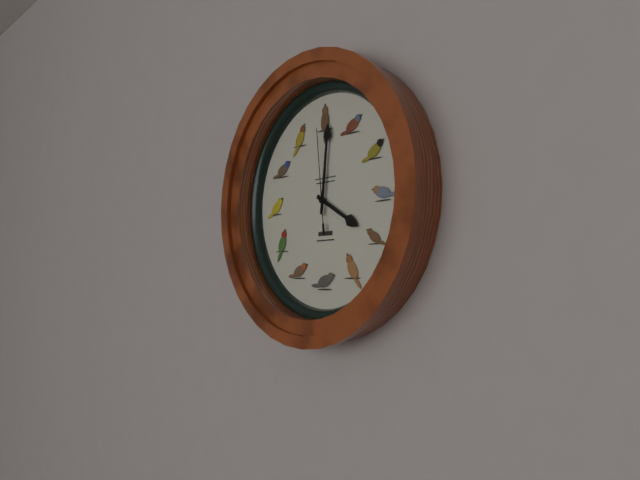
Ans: 4:01:59
